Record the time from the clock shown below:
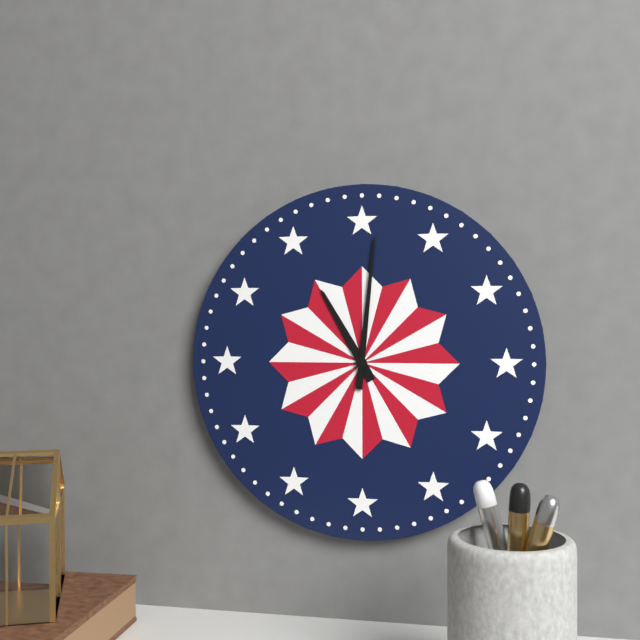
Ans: 11:01
